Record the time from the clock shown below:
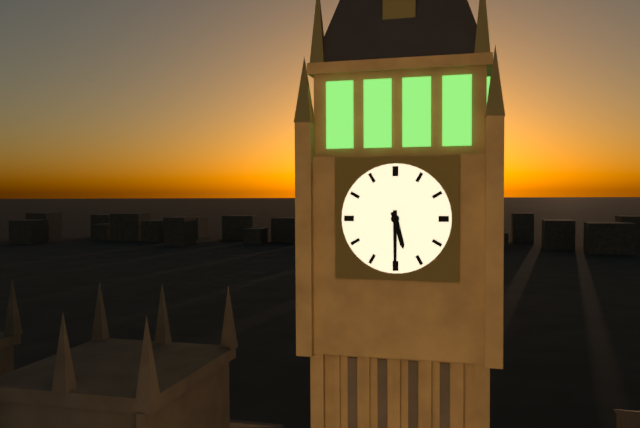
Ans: 5:30
